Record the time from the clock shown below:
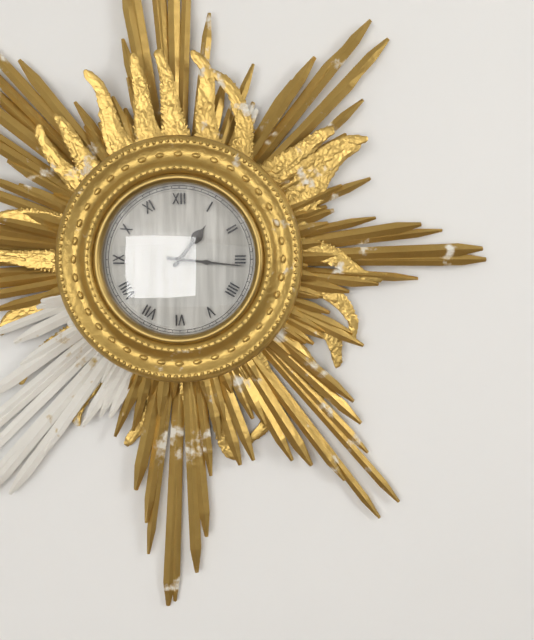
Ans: 1:16
